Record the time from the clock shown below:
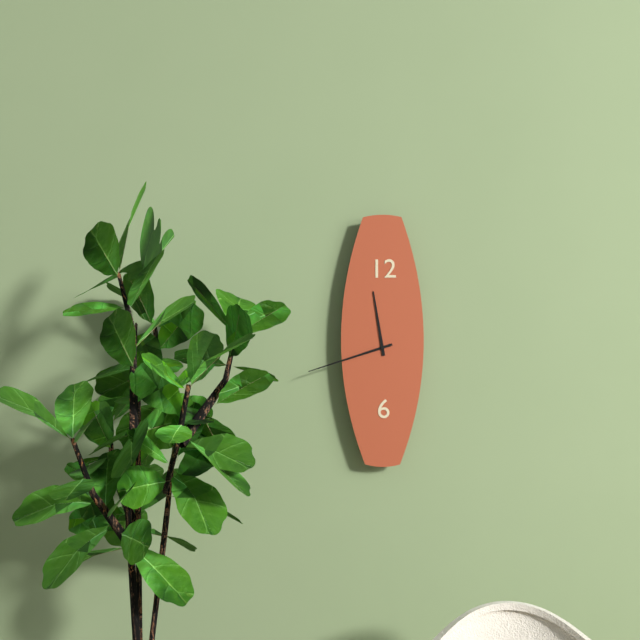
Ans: 11:42
